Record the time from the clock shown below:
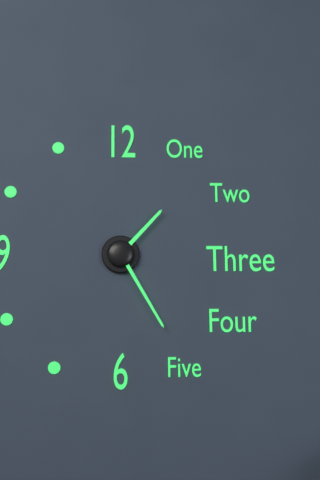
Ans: 1:25
